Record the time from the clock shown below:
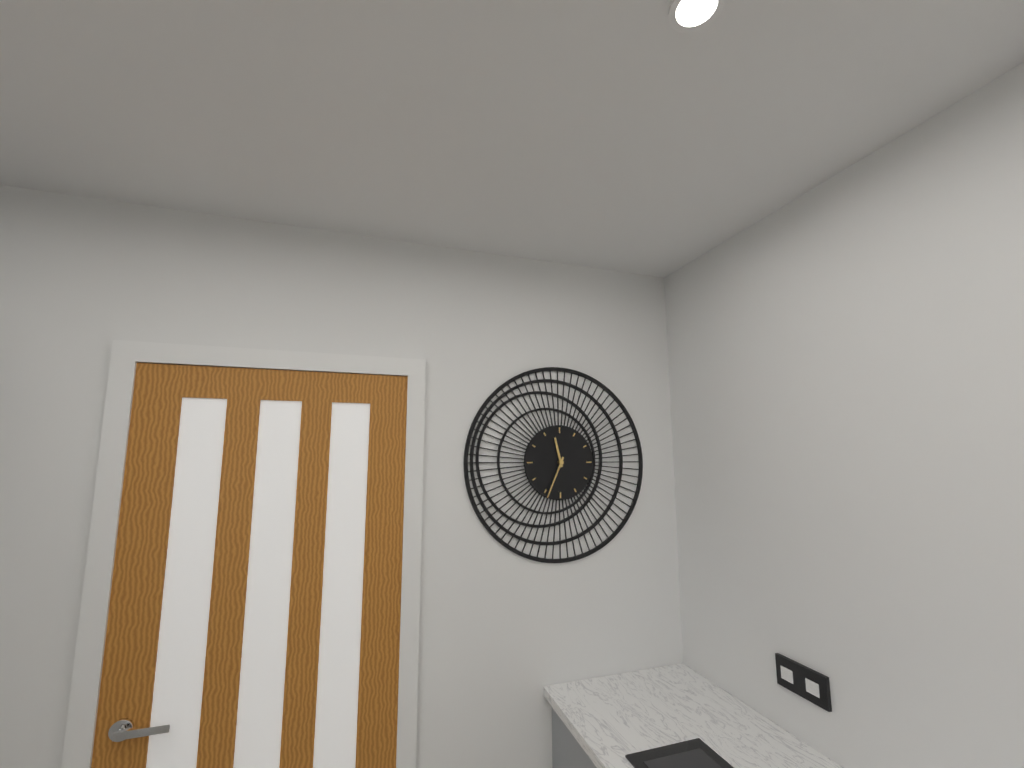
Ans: 11:34
